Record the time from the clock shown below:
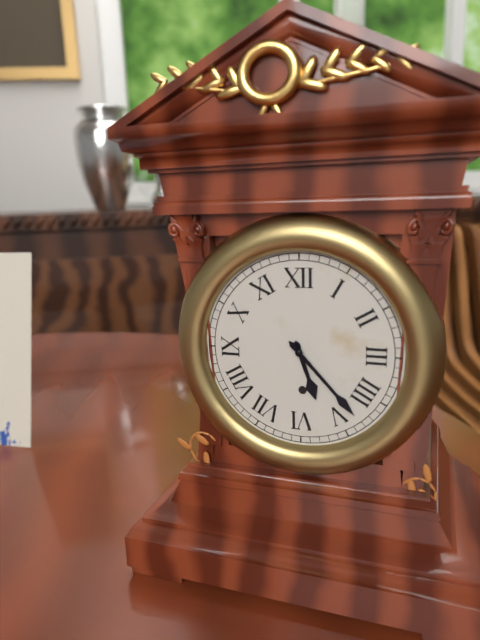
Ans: 5:23
